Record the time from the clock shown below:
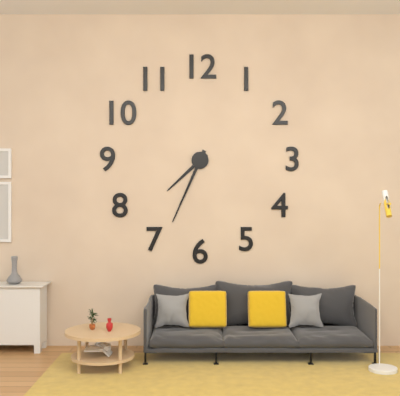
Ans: 7:34
